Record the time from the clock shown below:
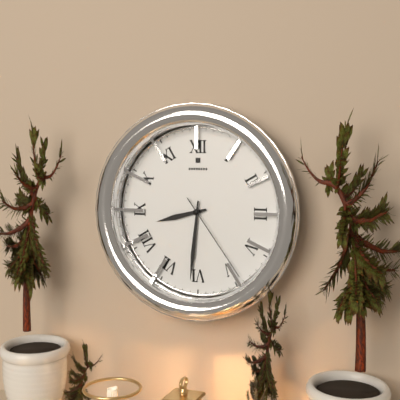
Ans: 8:31:24
